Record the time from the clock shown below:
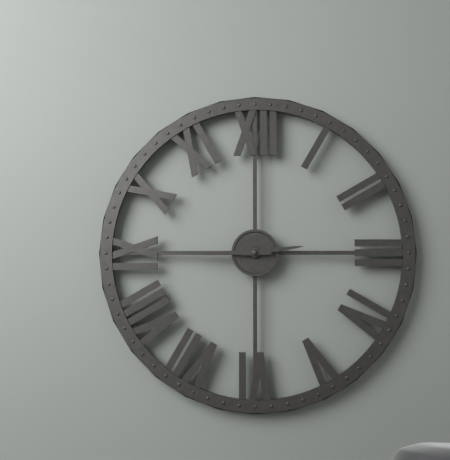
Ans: 2:45
